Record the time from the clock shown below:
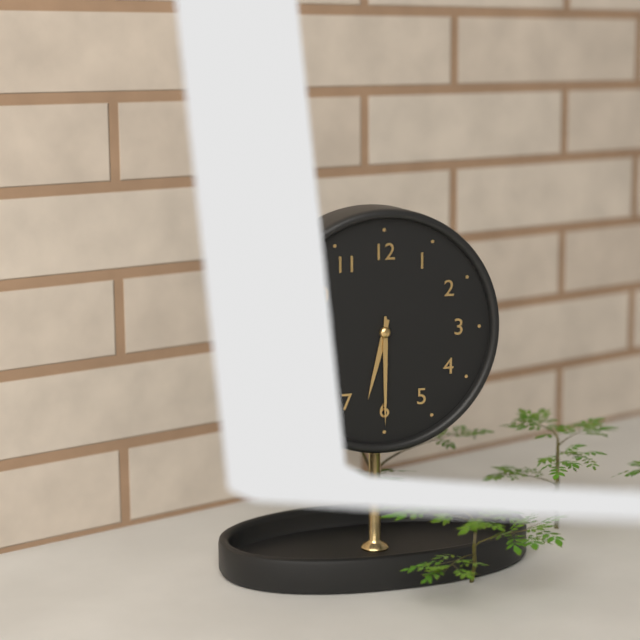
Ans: 6:30
